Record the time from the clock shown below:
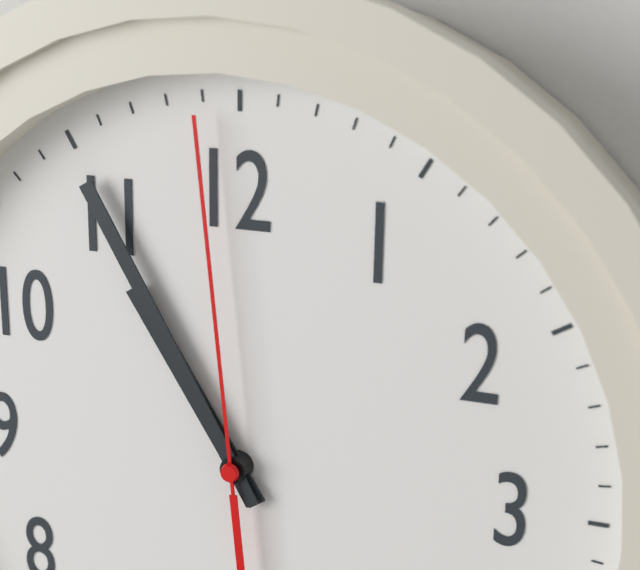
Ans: 10:55:59
